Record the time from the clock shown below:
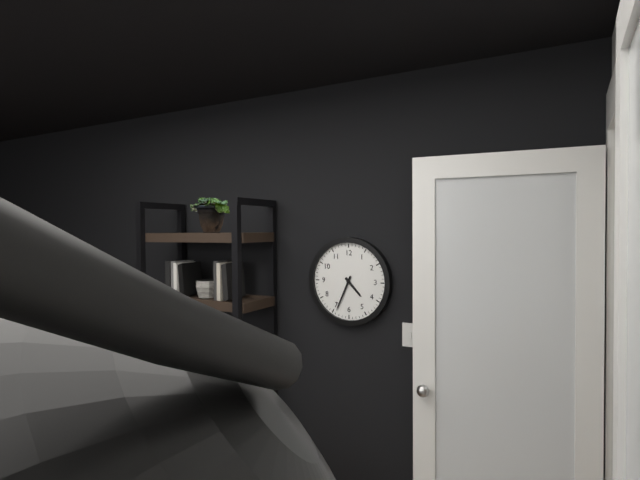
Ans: 4:34
